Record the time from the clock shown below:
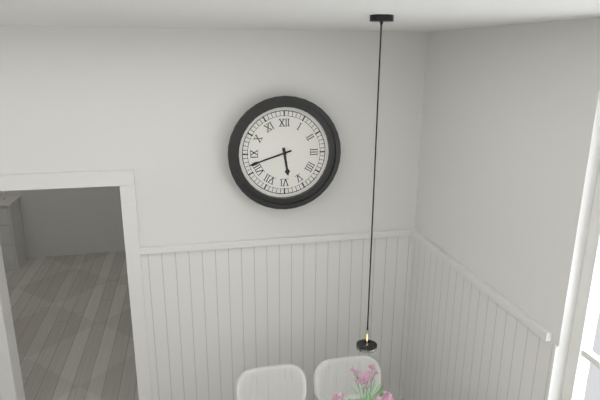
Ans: 5:42
